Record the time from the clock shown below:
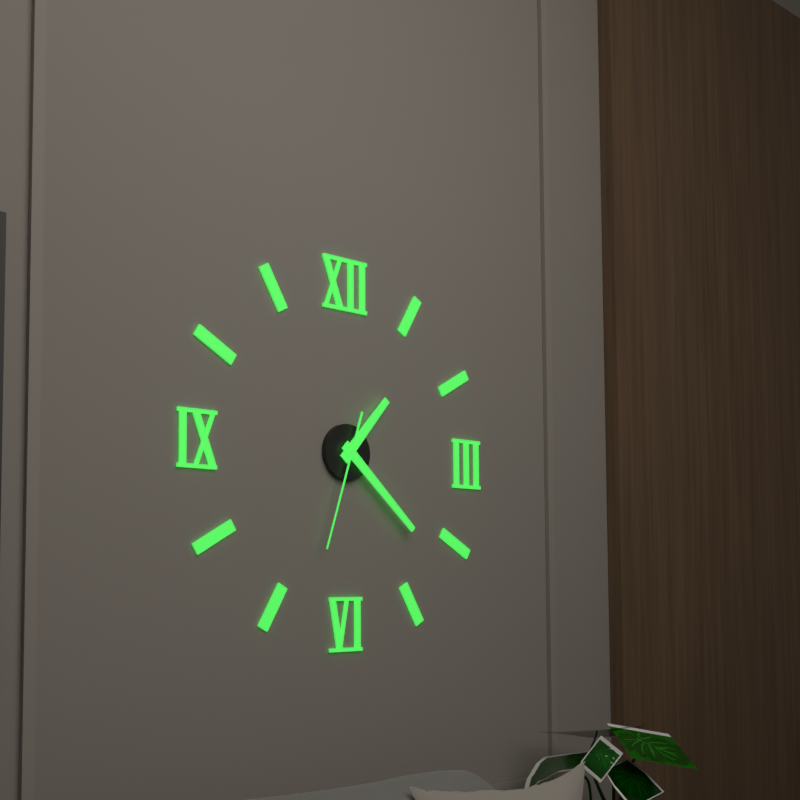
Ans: 1:22:33
